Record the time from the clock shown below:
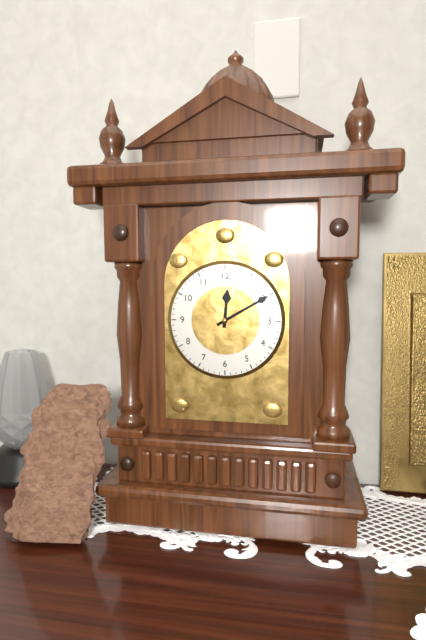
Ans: 12:10
